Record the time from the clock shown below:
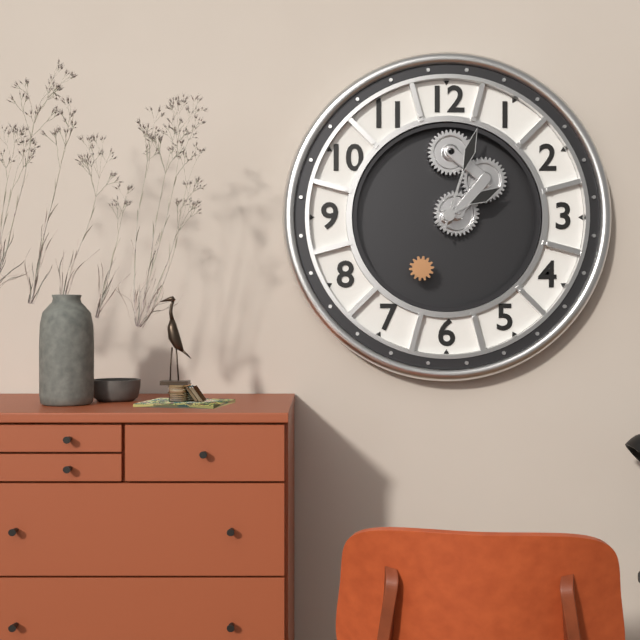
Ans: 2:03
